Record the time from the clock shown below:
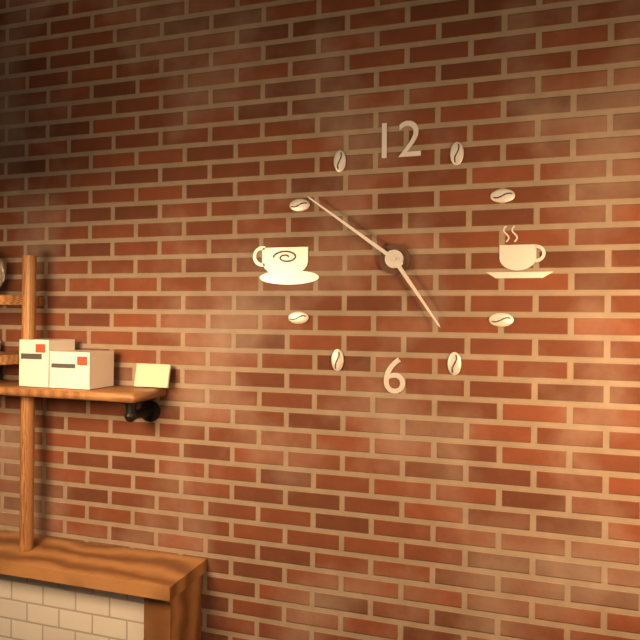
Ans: 4:51
